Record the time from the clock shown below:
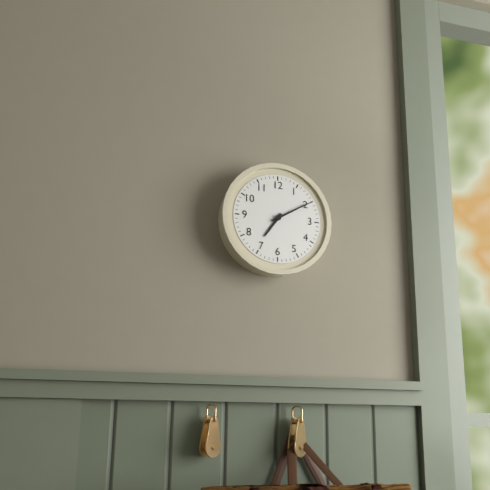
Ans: 7:10
